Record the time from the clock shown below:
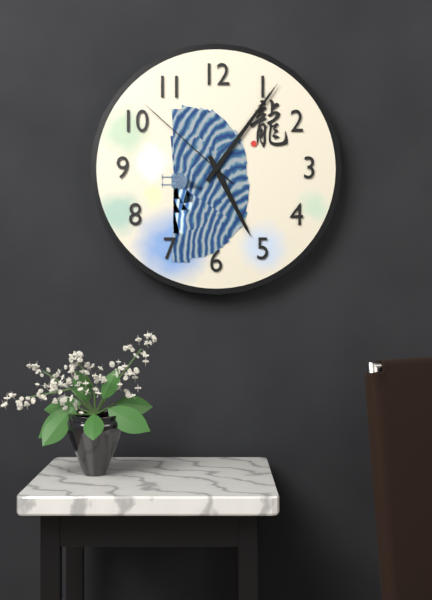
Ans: 5:06:52
